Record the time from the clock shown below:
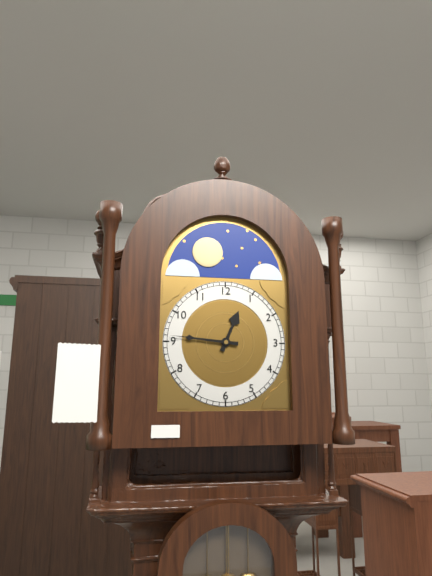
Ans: 12:46
